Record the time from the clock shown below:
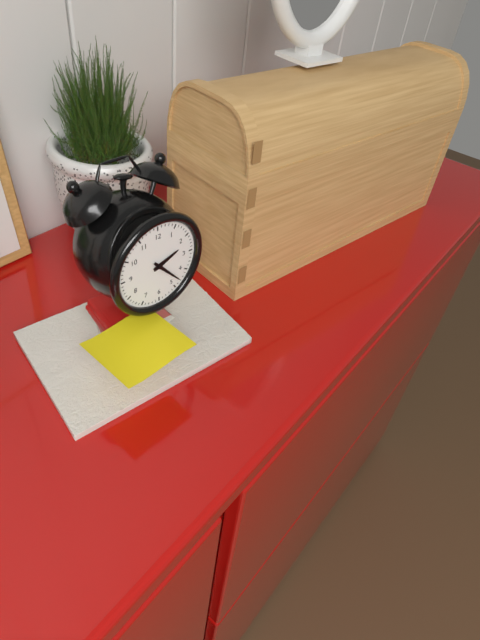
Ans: 2:23
